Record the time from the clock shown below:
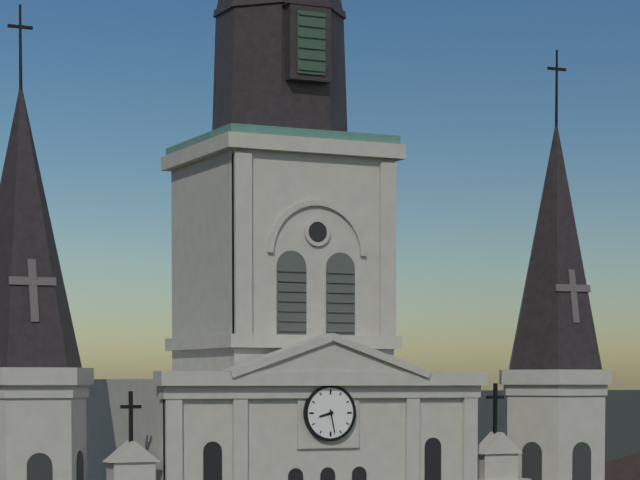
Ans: 8:28
